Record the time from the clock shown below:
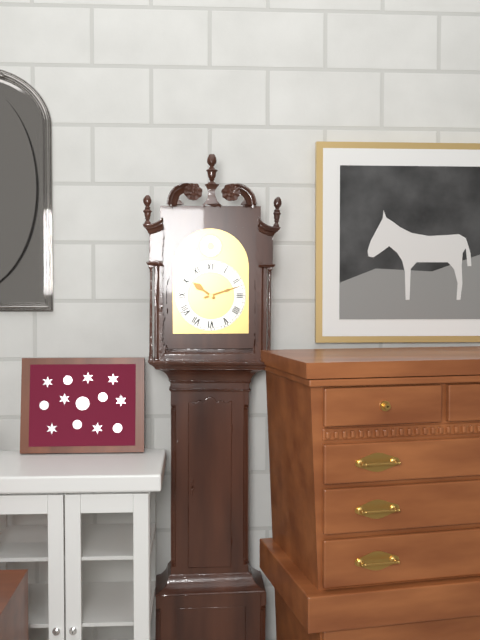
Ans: 10:12
